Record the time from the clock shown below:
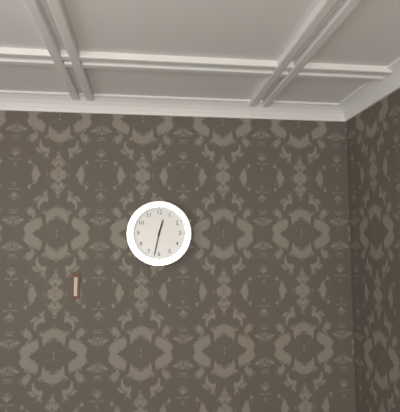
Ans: 12:32
